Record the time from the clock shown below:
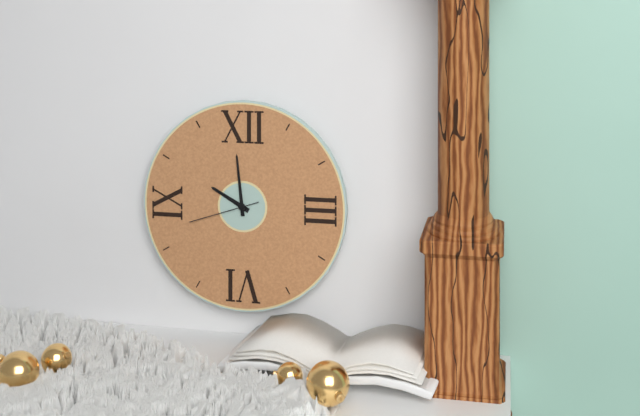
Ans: 9:59:42
